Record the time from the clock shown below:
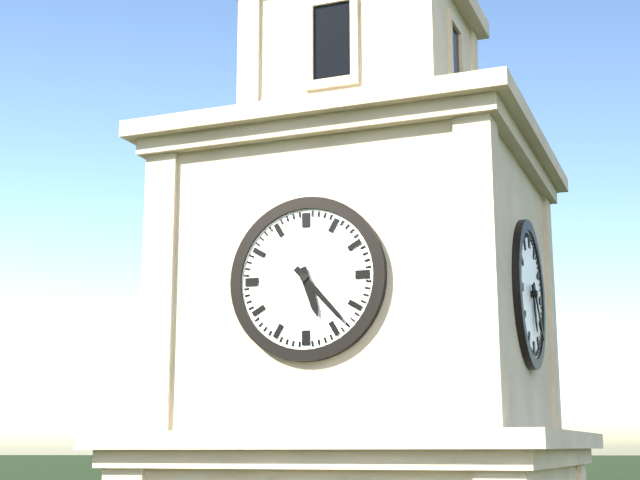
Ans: 5:23
